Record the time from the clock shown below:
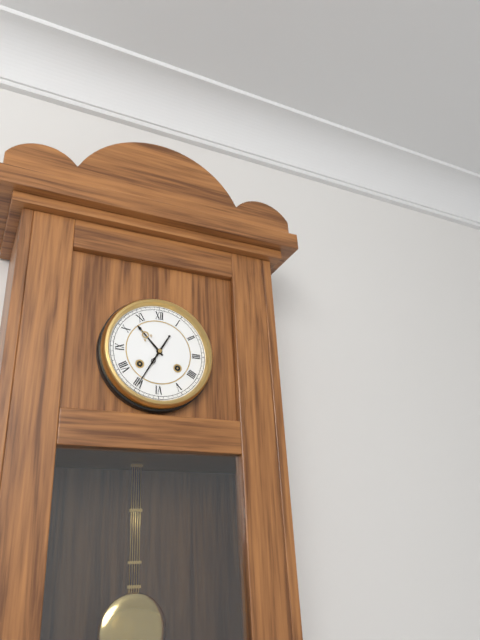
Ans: 10:35
